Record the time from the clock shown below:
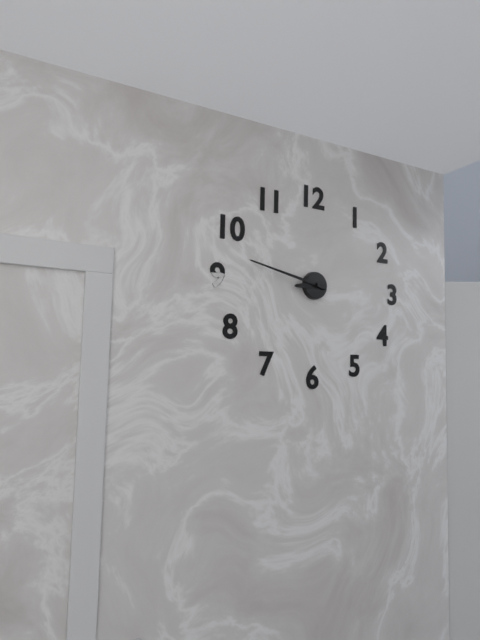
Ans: 8:47
